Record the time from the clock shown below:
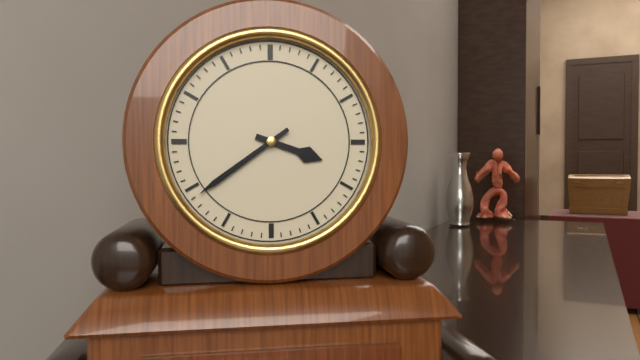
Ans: 3:39
